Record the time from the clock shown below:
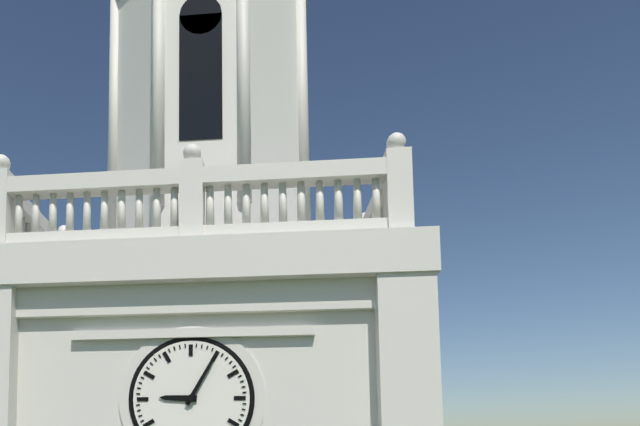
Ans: 9:05
